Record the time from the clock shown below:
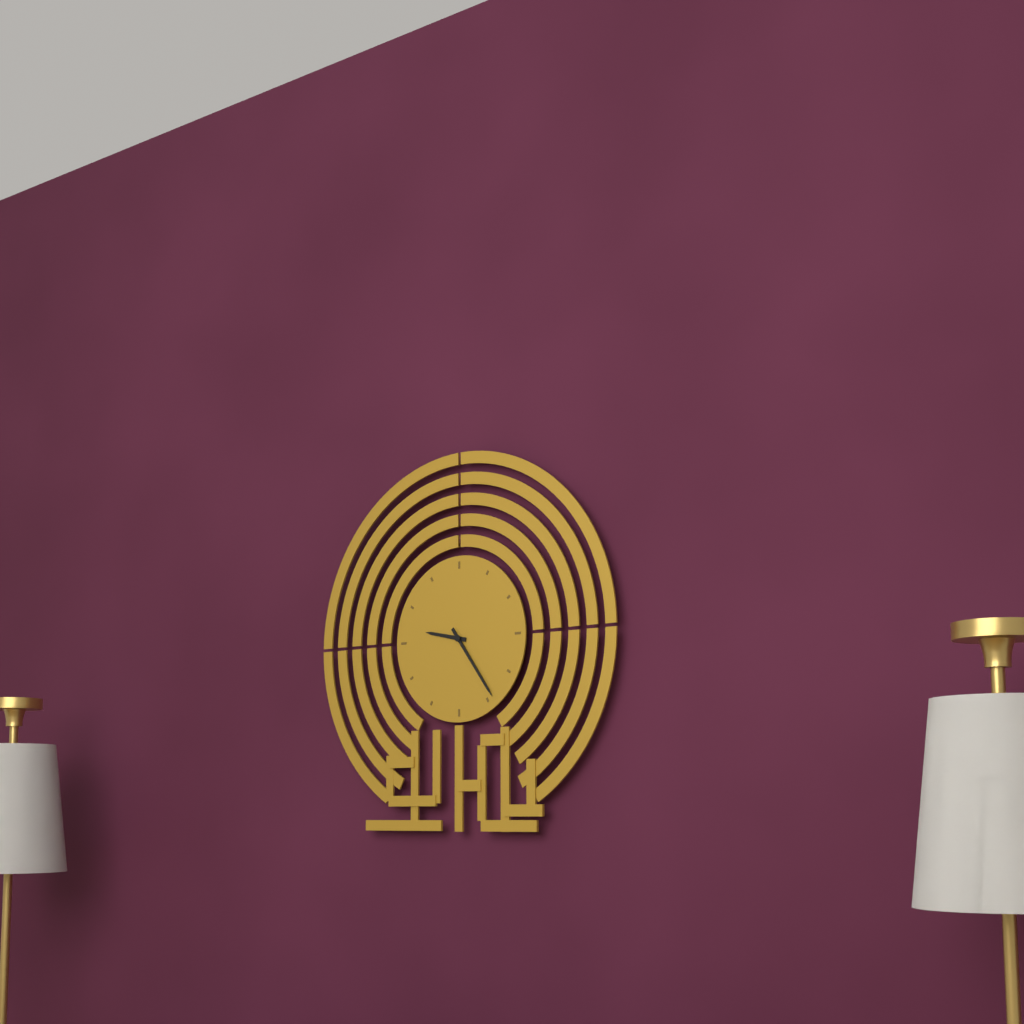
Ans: 9:24
